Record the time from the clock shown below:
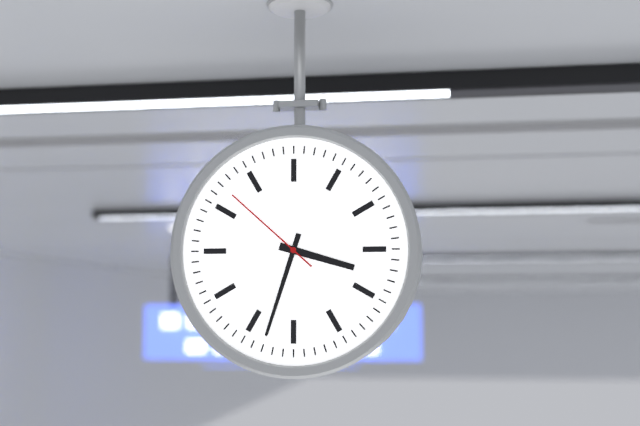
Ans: 3:33:52
